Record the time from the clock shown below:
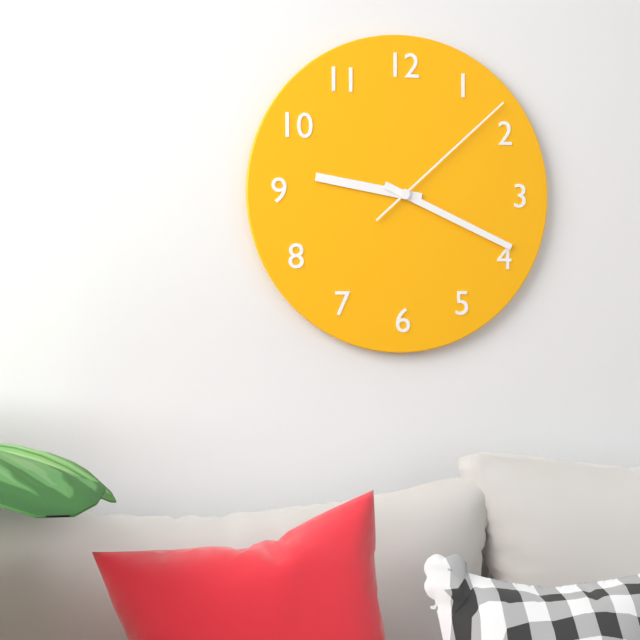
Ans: 9:19:08
